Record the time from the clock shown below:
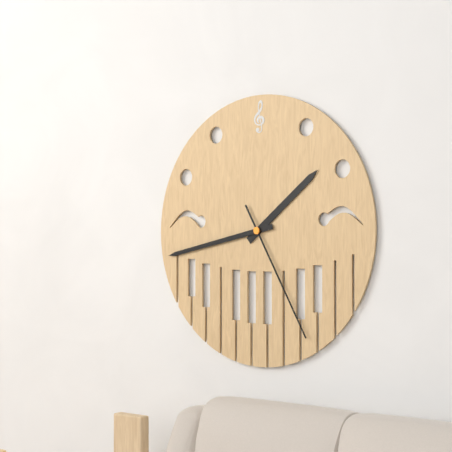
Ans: 1:43:25
